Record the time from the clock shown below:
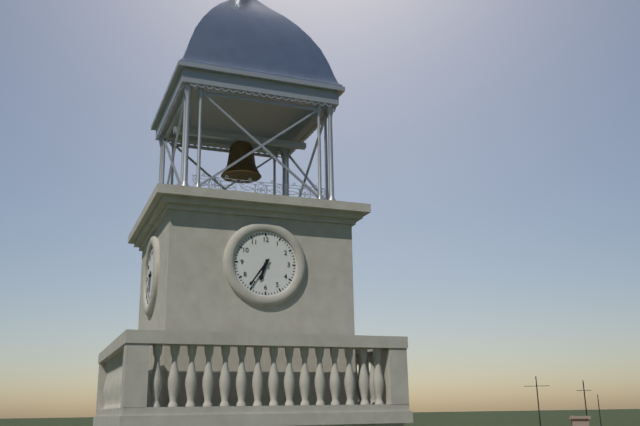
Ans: 6:36
